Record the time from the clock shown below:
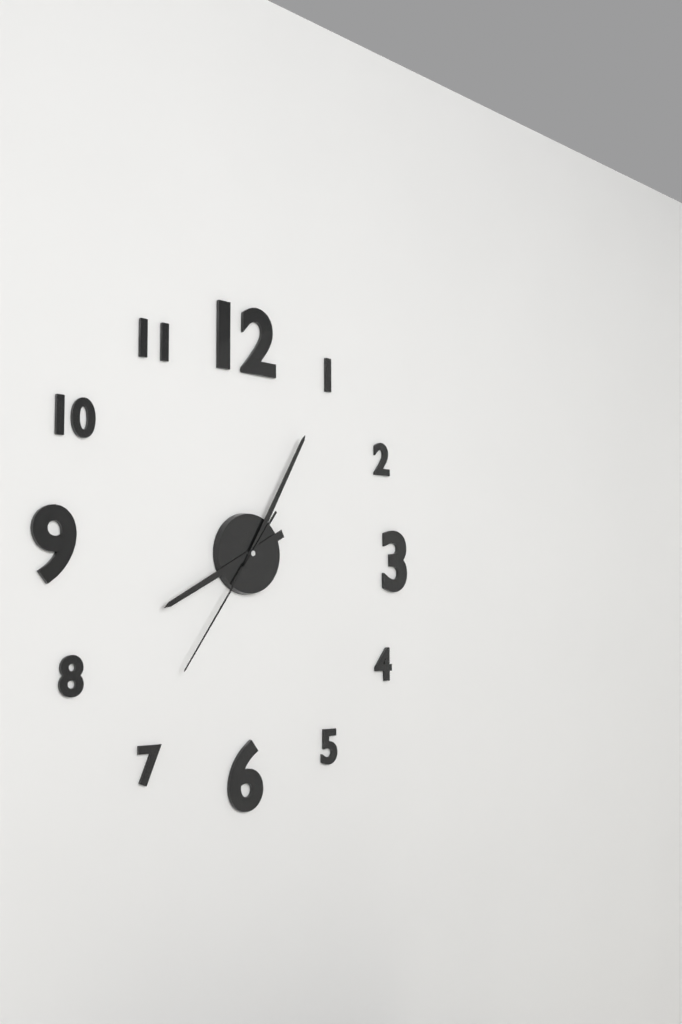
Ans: 8:05:36
